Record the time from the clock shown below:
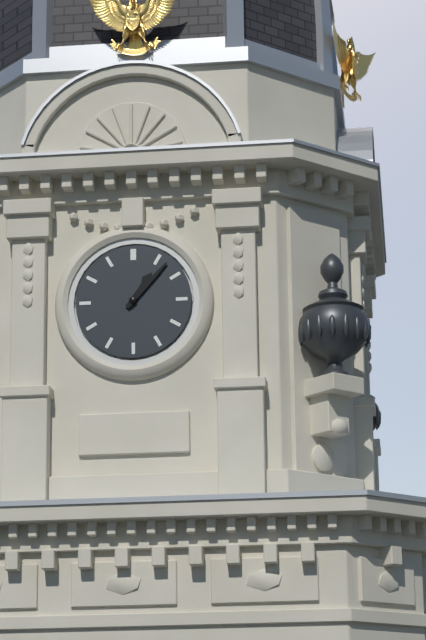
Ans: 1:07
